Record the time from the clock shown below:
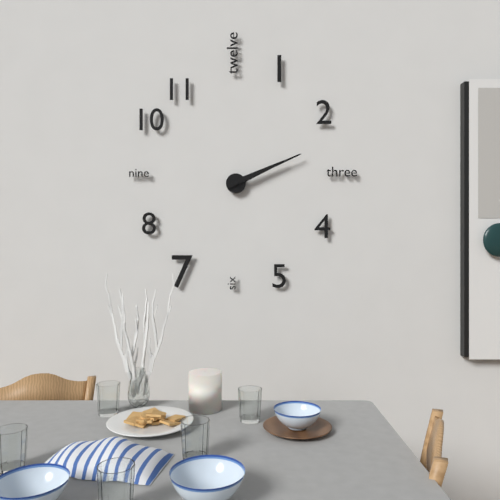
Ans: 2:11
